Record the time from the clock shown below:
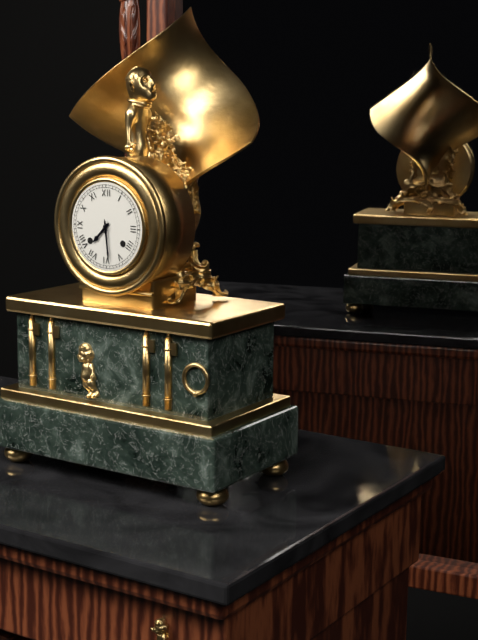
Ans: 7:29
